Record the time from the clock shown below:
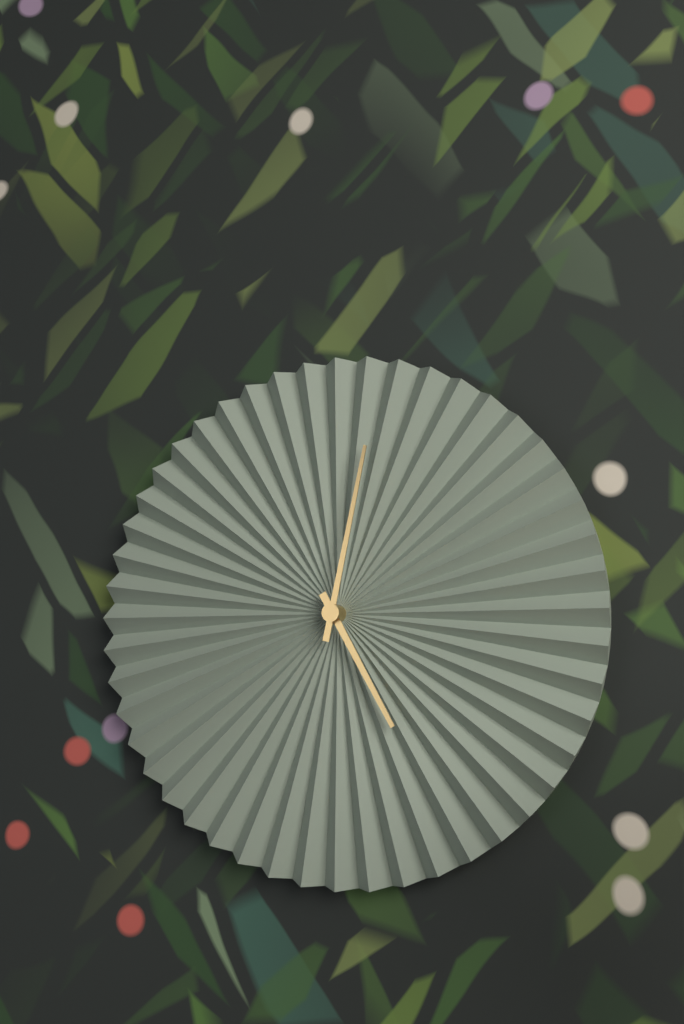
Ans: 5:02
